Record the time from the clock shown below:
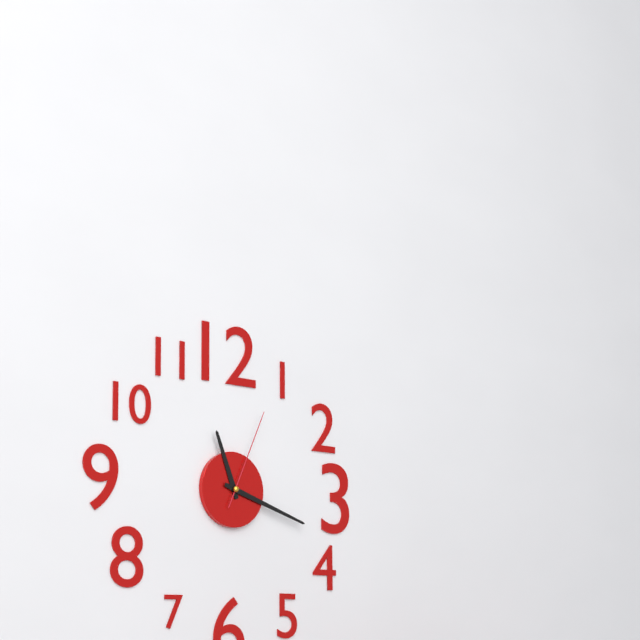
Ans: 11:18:04
